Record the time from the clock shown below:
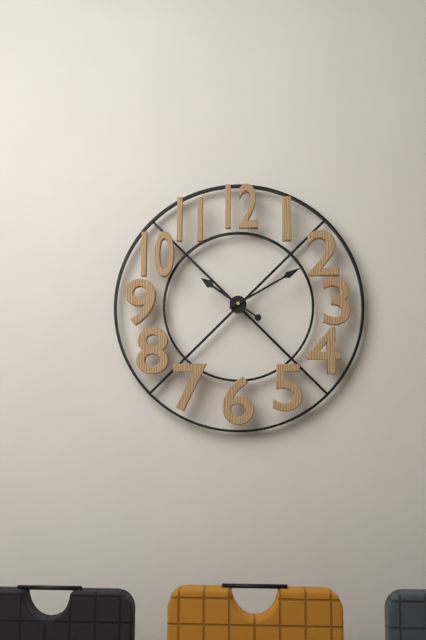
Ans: 10:10
